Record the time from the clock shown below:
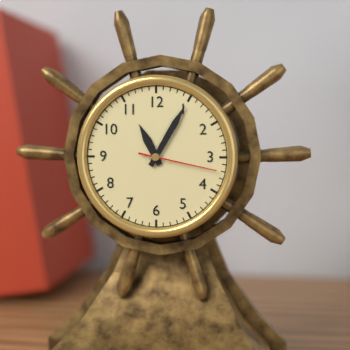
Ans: 11:05:17
